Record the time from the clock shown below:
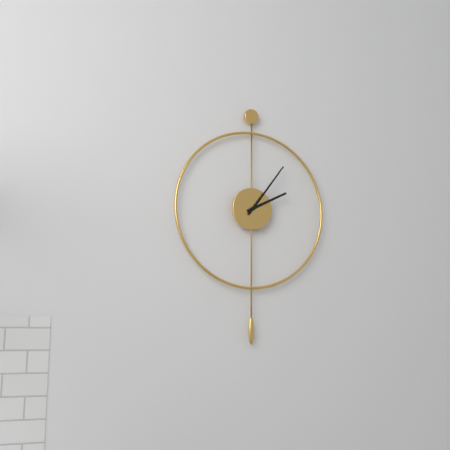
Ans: 2:06
